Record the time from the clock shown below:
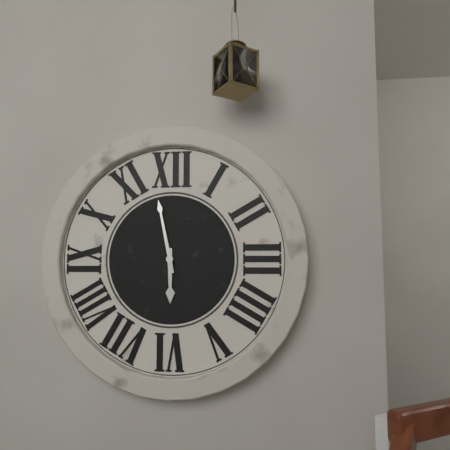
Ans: 5:58
